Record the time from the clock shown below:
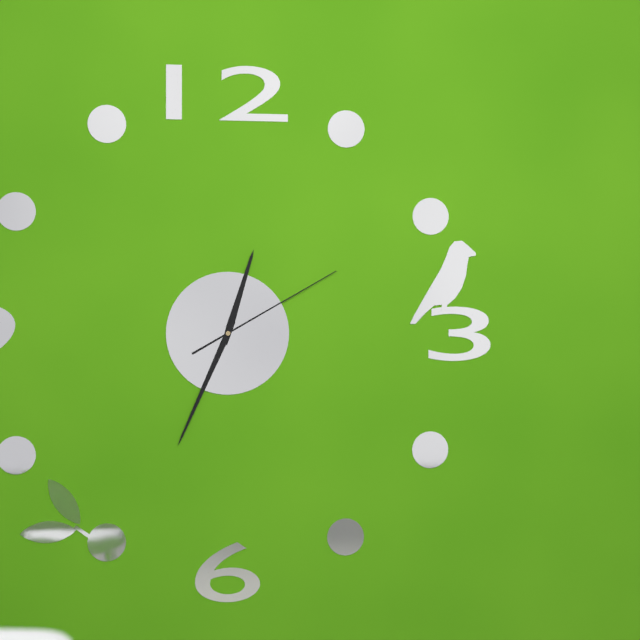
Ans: 12:34:10
